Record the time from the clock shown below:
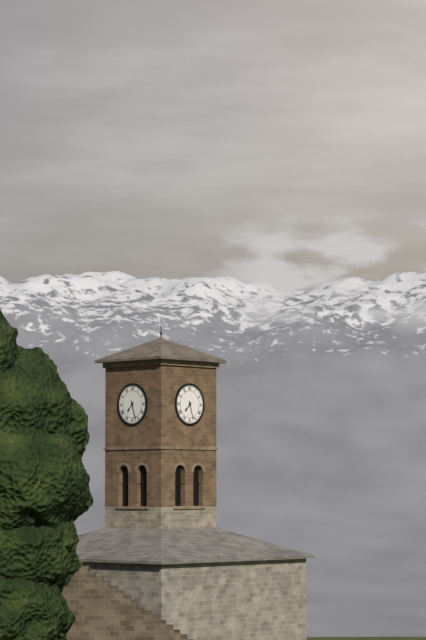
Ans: 7:27
